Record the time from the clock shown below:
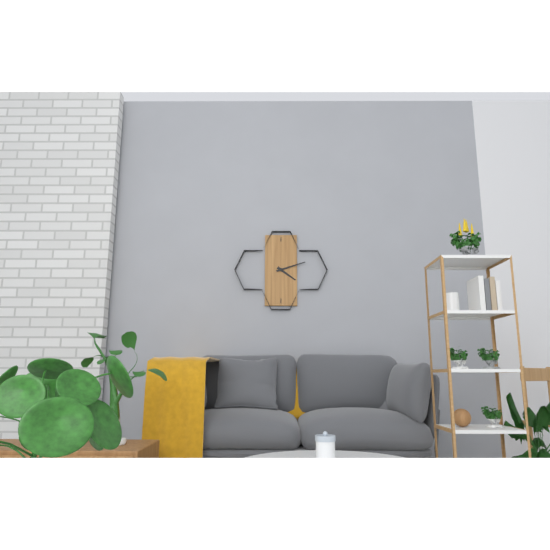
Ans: 4:12
